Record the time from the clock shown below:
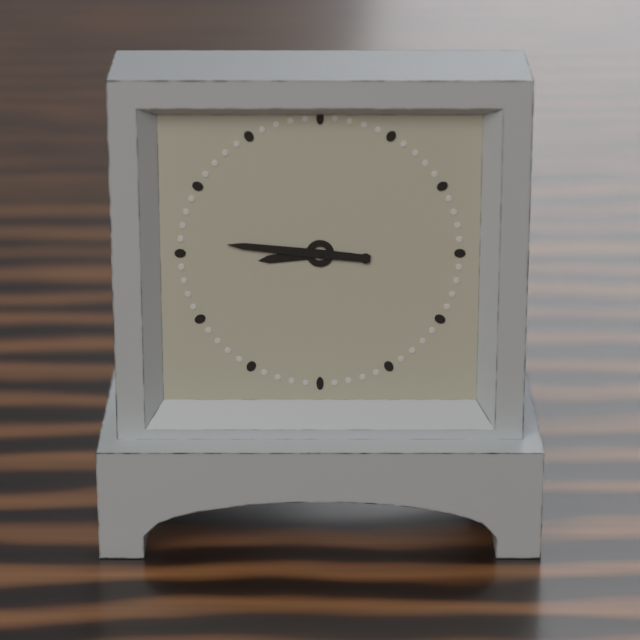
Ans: 8:46
